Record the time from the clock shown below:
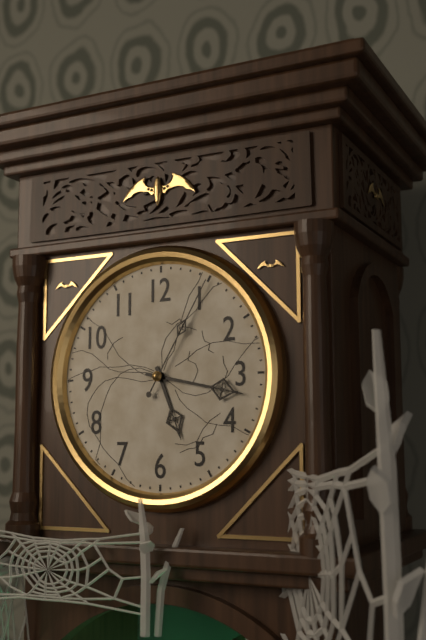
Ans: 5:17:05
